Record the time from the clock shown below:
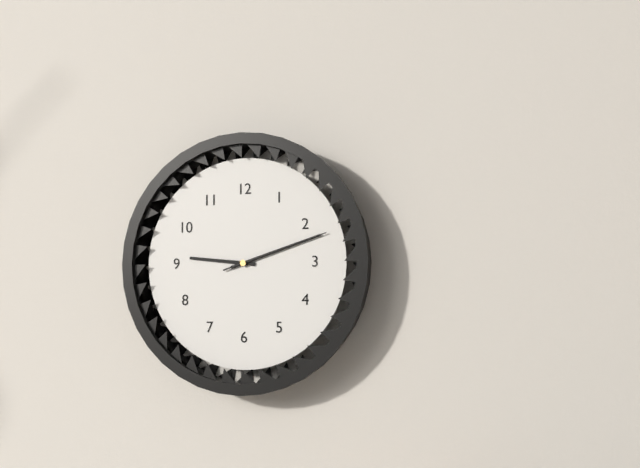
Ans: 9:12:12
